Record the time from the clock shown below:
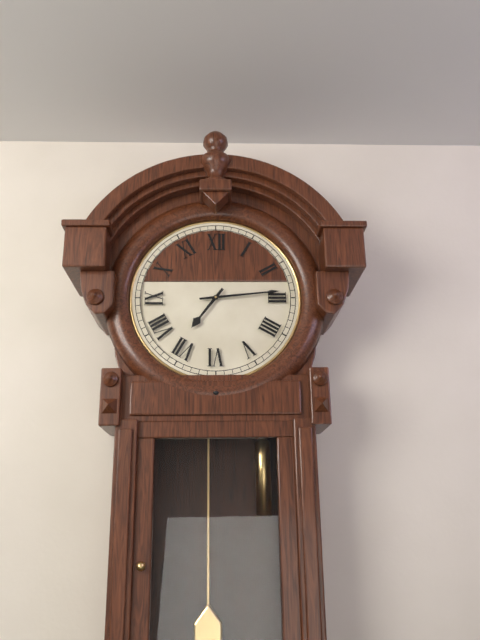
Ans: 7:14
